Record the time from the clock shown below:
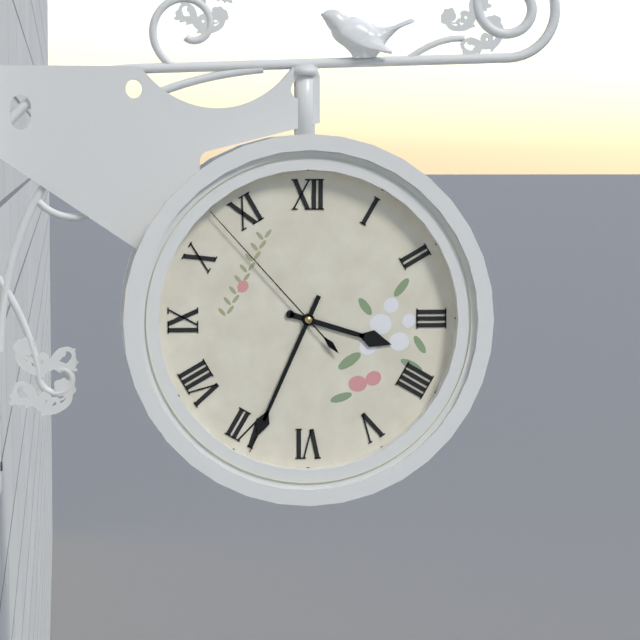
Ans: 3:34:53
